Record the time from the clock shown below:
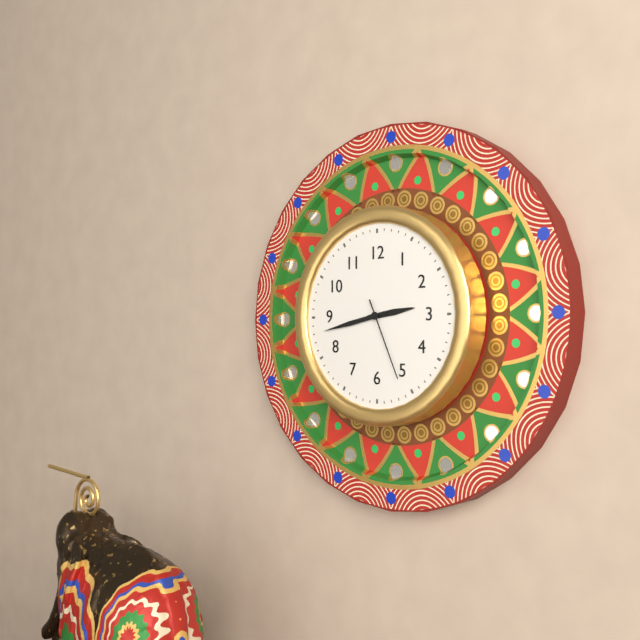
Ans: 2:43:26
